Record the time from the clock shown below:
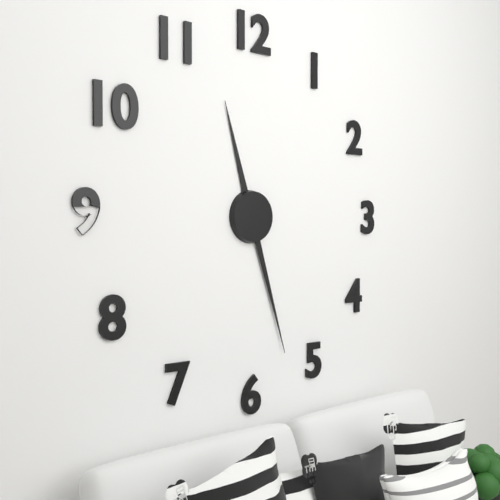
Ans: 11:27
